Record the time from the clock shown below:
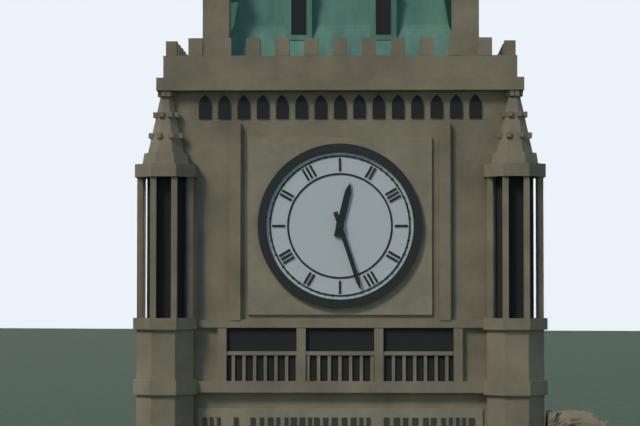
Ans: 12:27
